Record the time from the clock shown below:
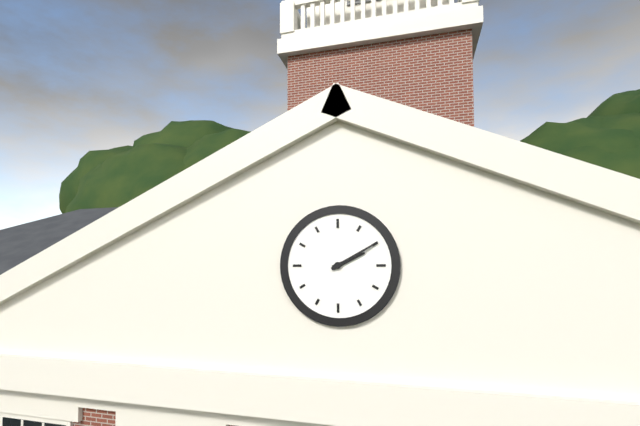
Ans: 2:10
